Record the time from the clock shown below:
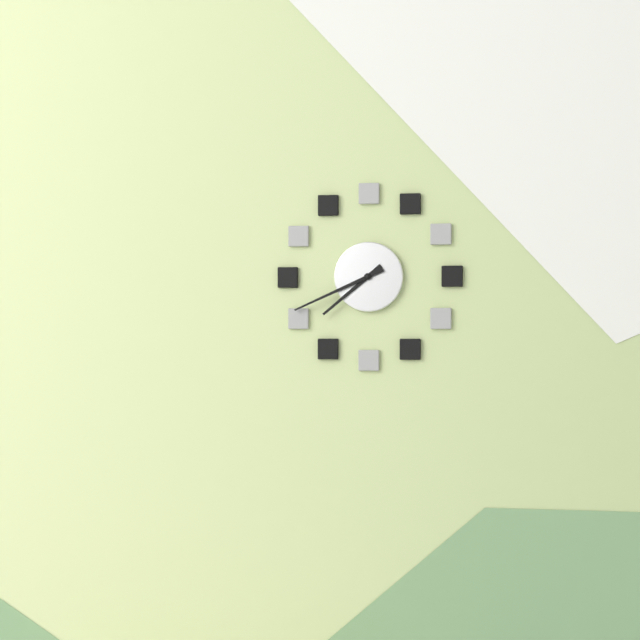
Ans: 7:41
